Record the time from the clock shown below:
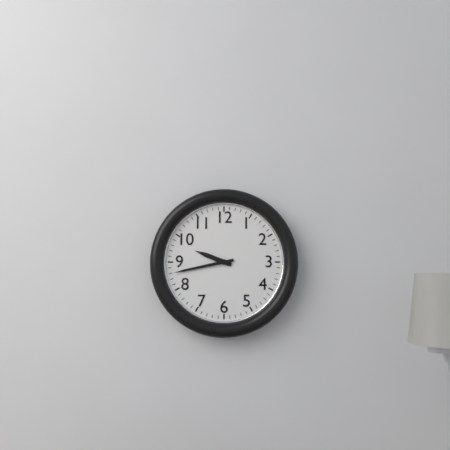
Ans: 9:43
